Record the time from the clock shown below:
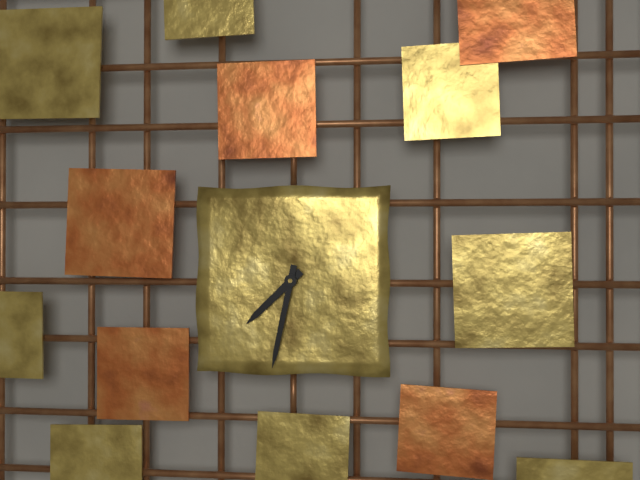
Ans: 7:32
